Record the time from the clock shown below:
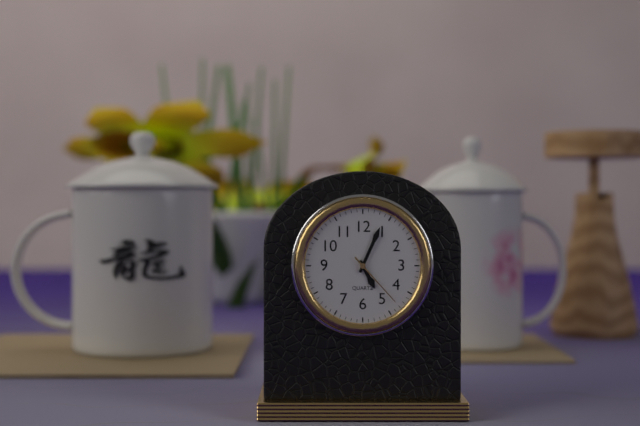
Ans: 5:04:23
